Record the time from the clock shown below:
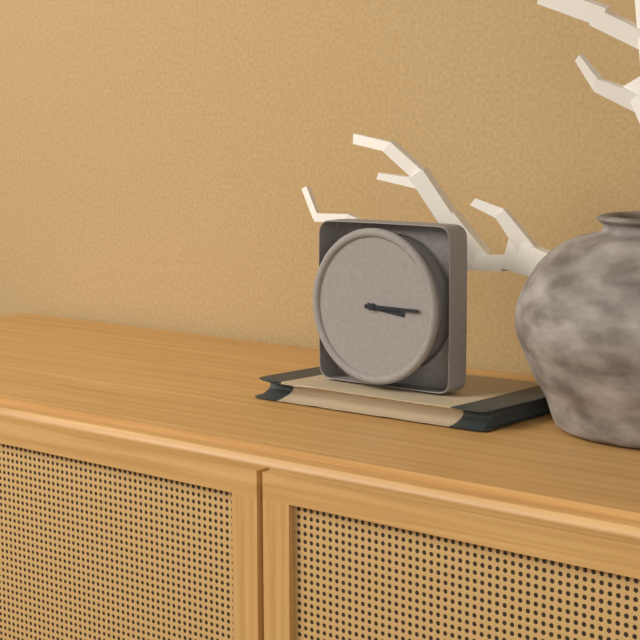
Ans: 3:15
